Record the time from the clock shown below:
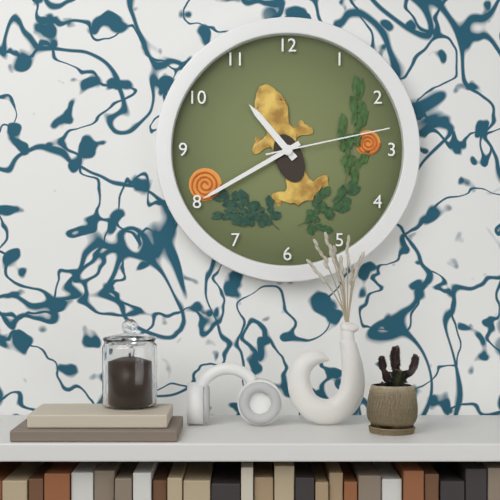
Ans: 10:40:13
